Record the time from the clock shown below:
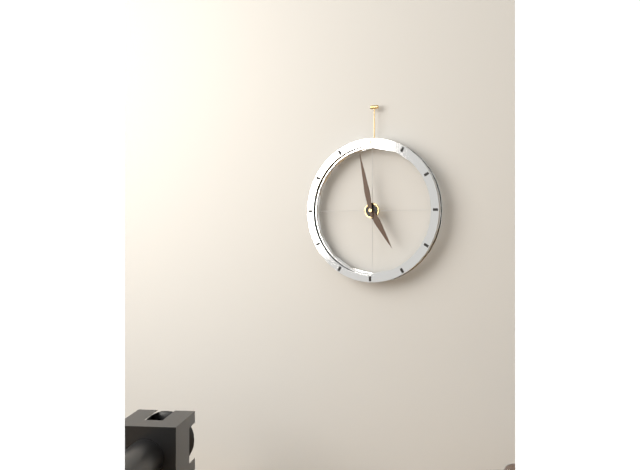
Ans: 4:58
